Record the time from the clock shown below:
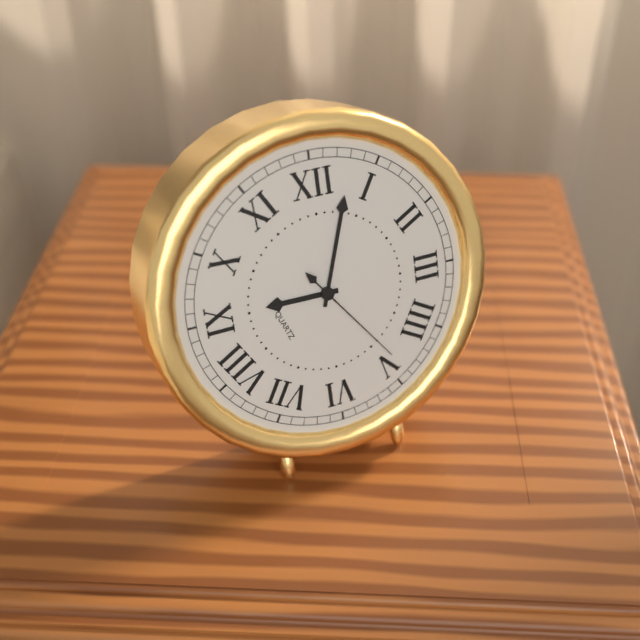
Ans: 9:03:24
